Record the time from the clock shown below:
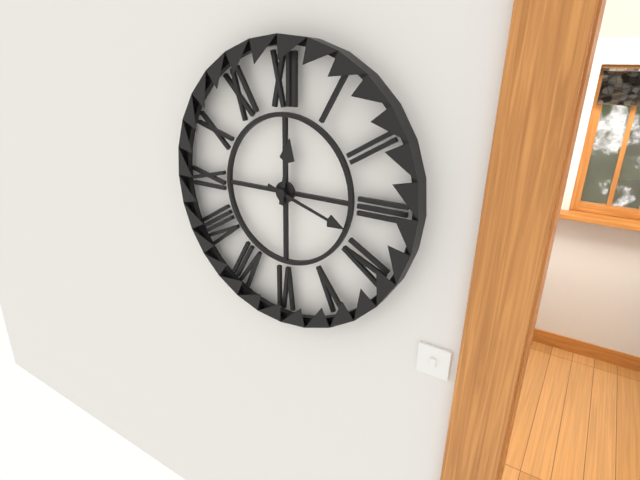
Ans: 12:18
